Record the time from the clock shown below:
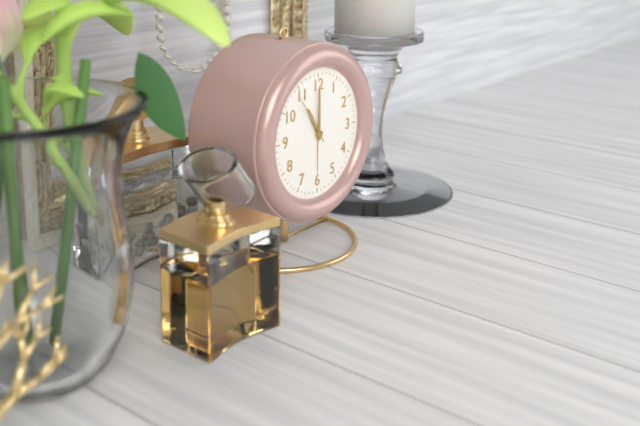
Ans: 11:00
